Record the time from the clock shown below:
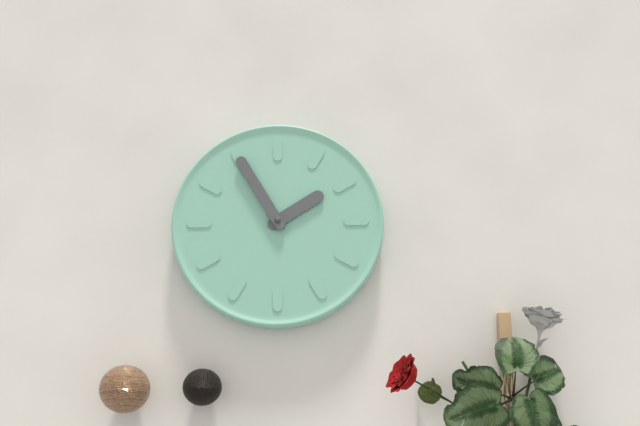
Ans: 1:55
